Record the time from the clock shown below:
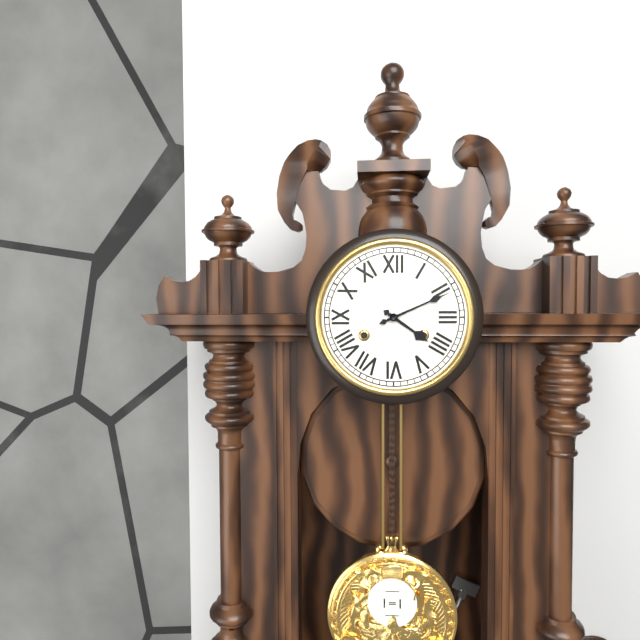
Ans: 4:11
